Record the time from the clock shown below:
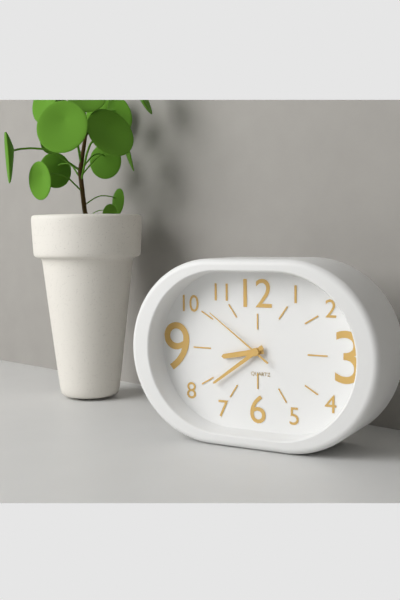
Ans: 8:39:51
